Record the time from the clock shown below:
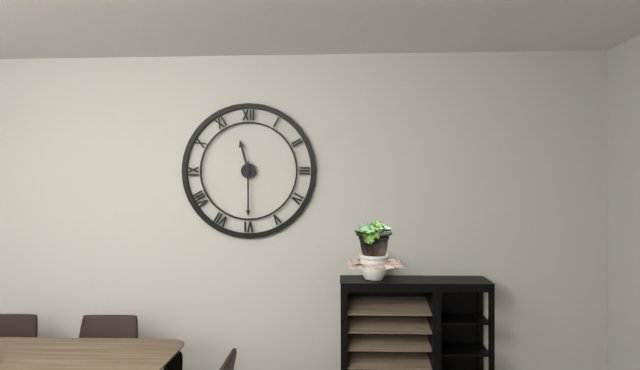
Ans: 11:30
